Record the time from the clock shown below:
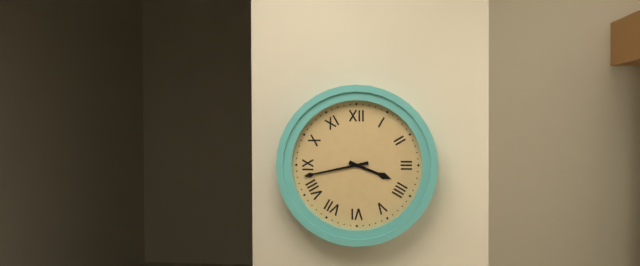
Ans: 3:43
